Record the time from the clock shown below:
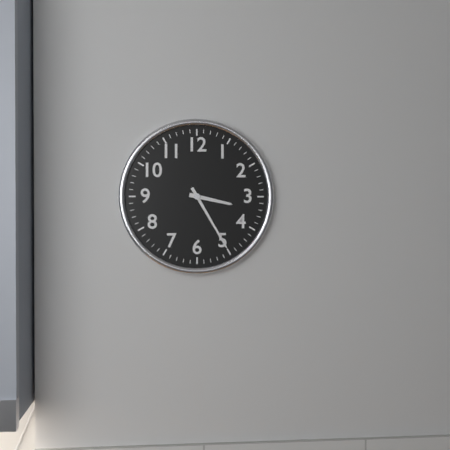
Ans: 3:25
